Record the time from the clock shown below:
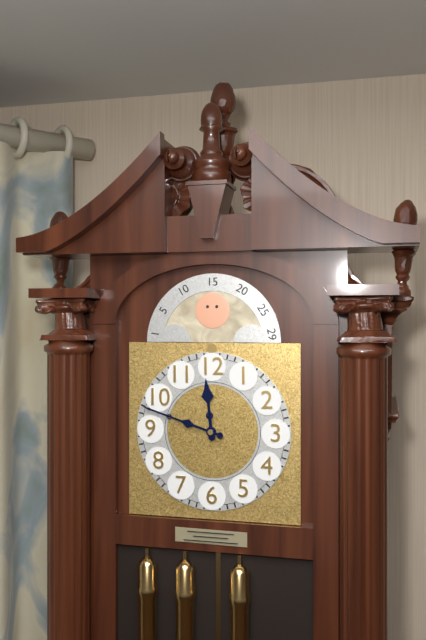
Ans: 11:48
